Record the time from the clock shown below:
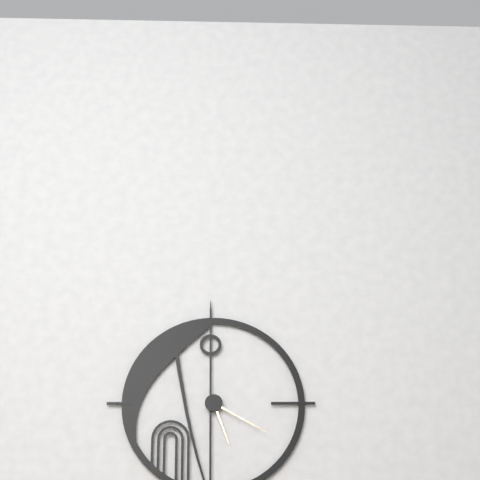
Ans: 5:20
